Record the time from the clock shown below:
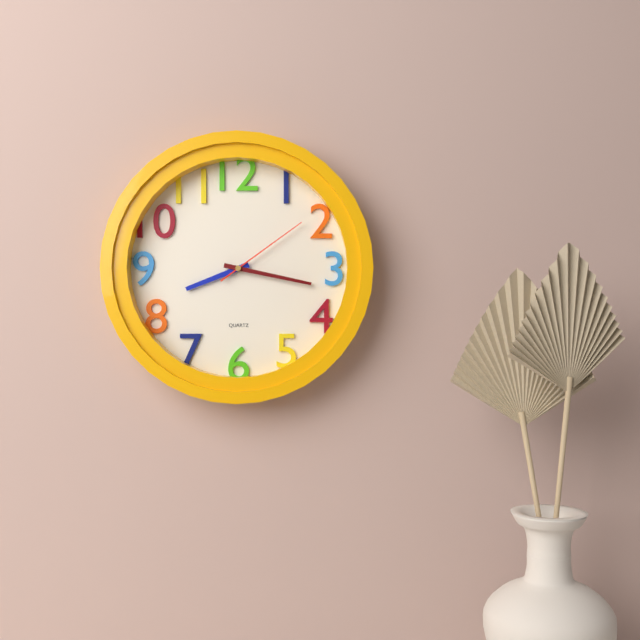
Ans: 8:17:09
